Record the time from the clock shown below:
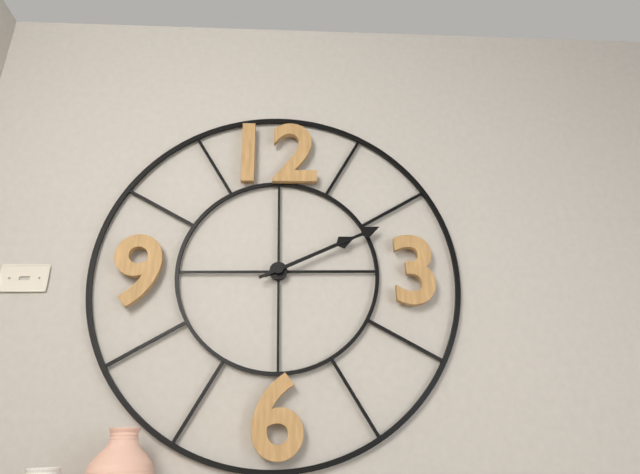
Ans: 2:11
